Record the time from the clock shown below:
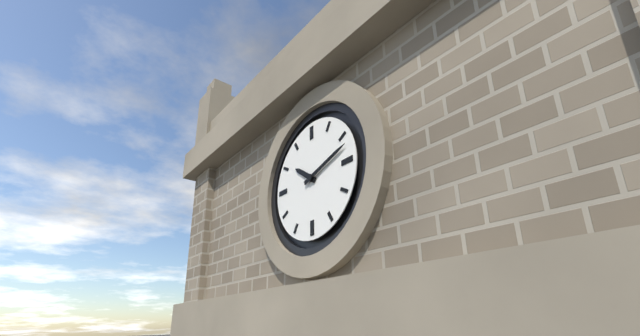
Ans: 10:12
